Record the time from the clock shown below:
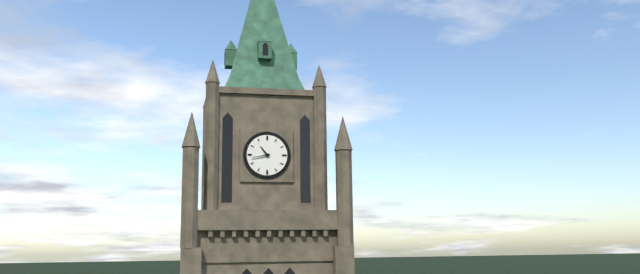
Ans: 10:43
